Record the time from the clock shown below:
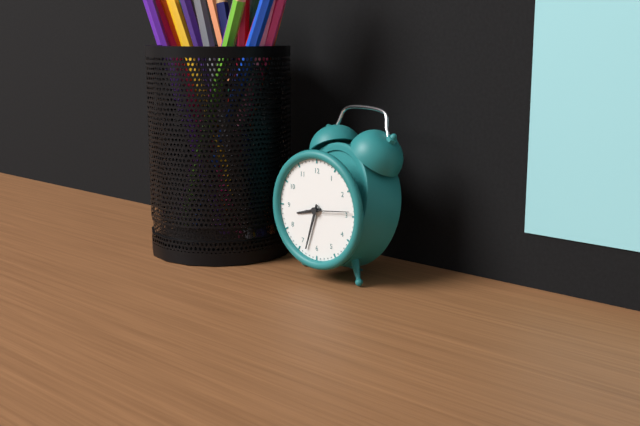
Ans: 8:33
